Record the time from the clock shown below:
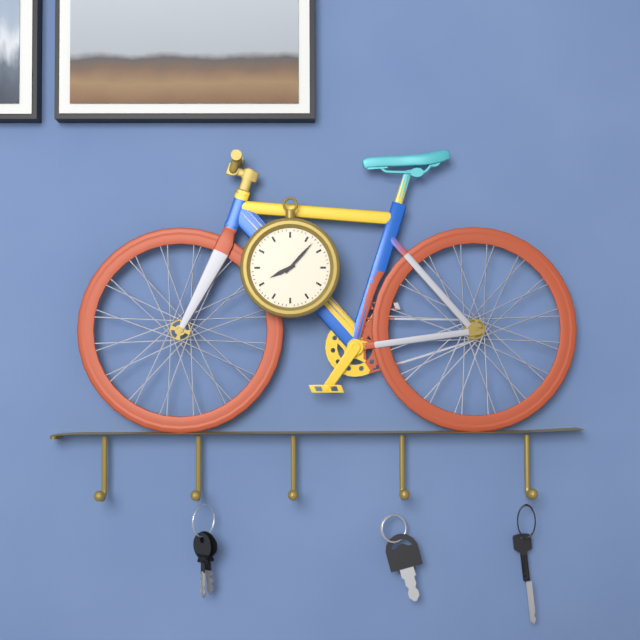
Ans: 8:07
